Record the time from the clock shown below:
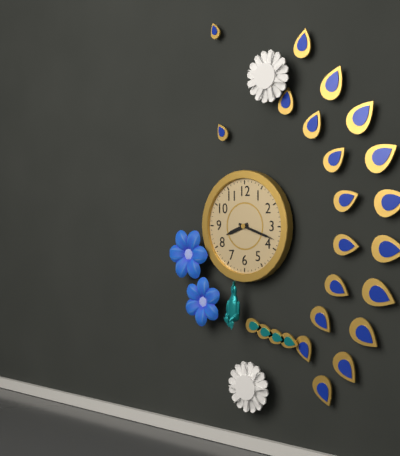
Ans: 8:18
